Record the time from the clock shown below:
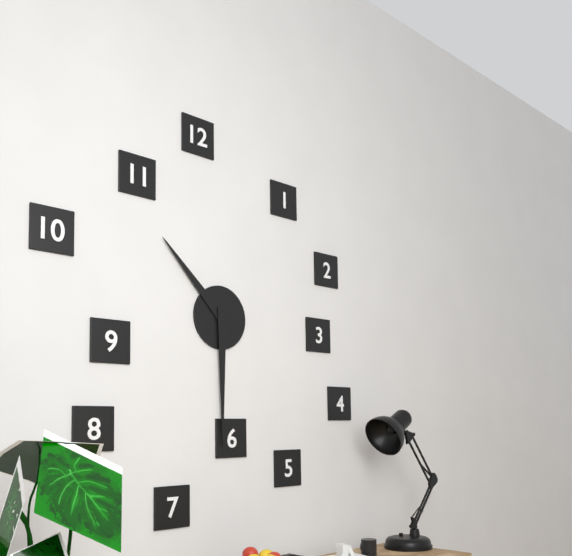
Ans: 10:30
